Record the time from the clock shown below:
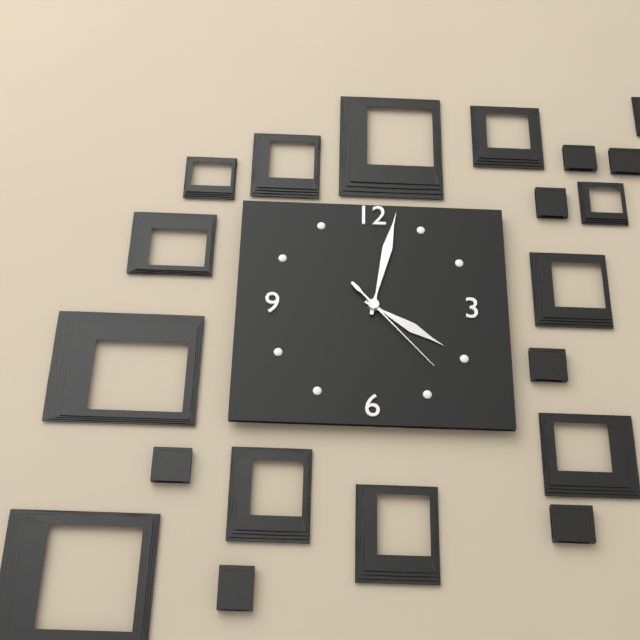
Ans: 4:02:23
